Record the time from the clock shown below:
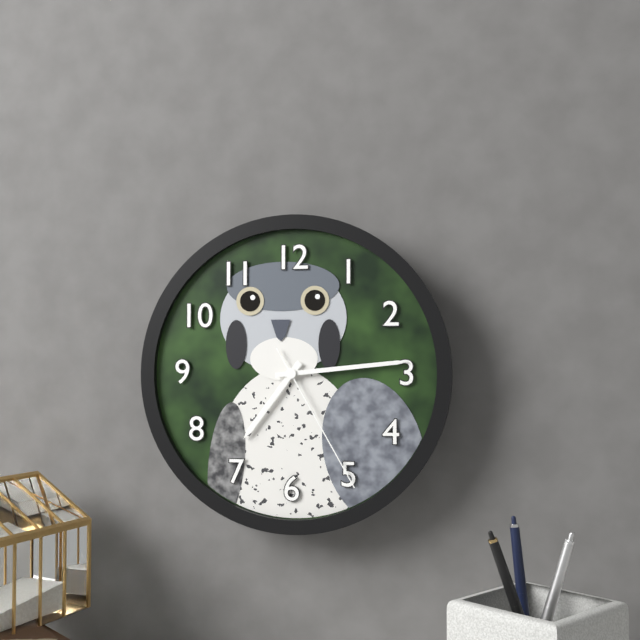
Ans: 7:14:25
